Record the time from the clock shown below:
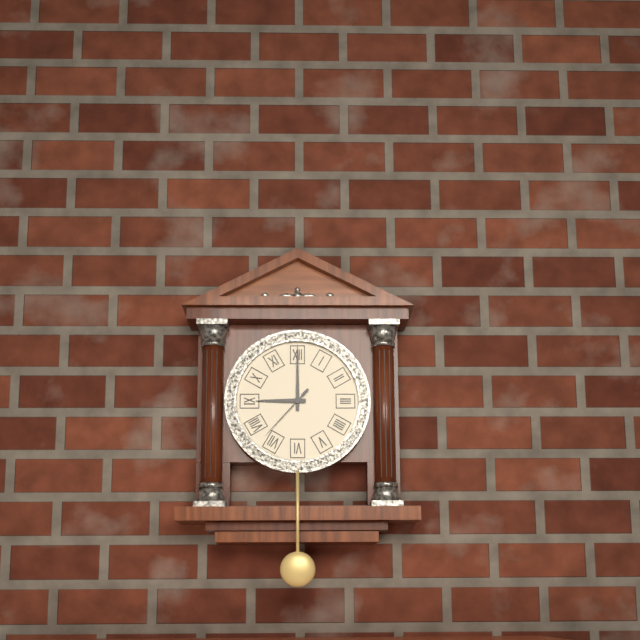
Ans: 9:00:37
